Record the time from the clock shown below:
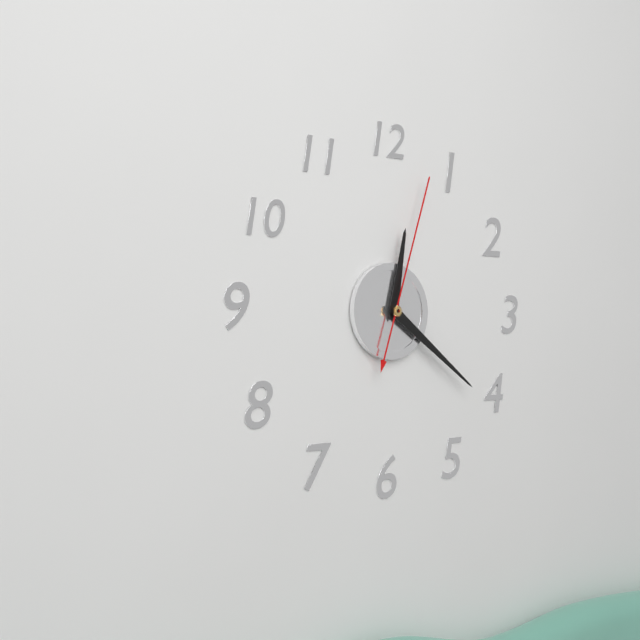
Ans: 12:21:03
